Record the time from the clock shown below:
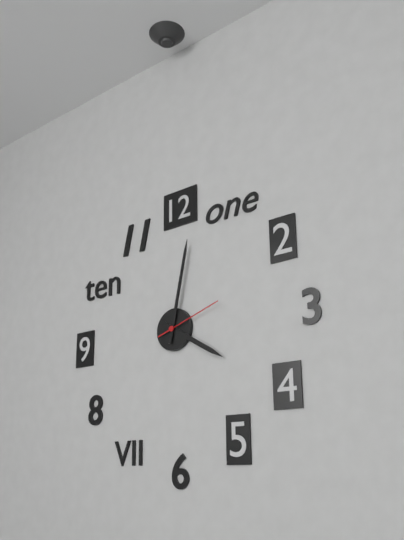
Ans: 4:02:12
